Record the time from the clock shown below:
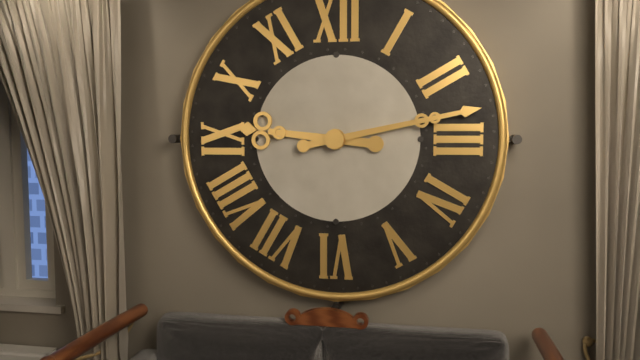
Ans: 9:13
